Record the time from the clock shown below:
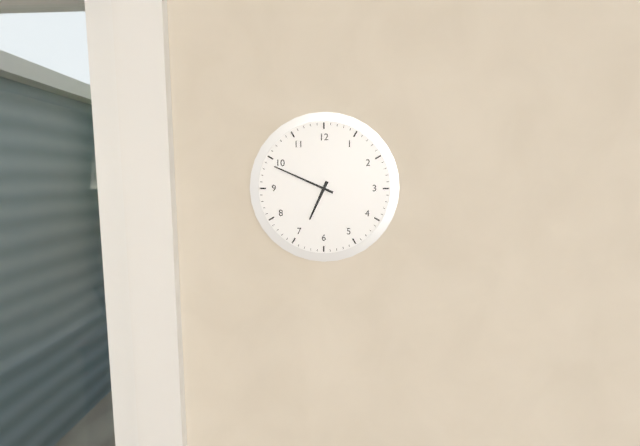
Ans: 6:49
